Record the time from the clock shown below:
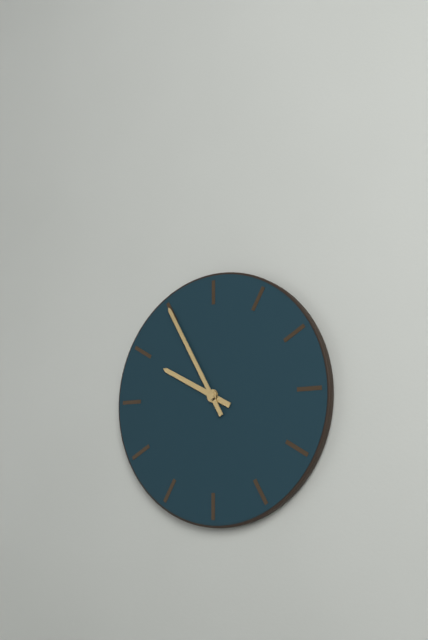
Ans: 9:55
